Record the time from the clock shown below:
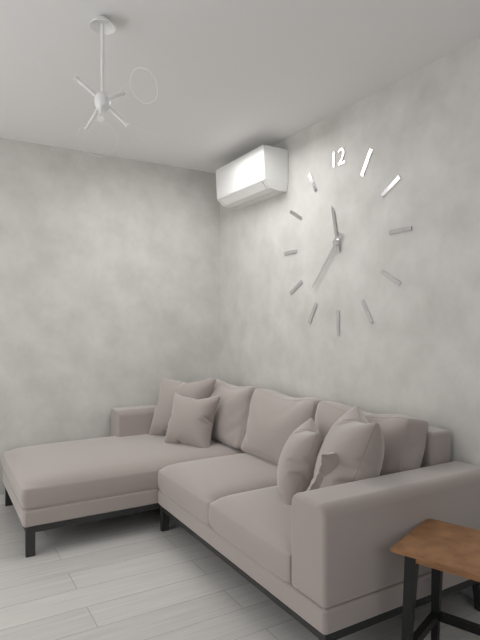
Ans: 11:37
